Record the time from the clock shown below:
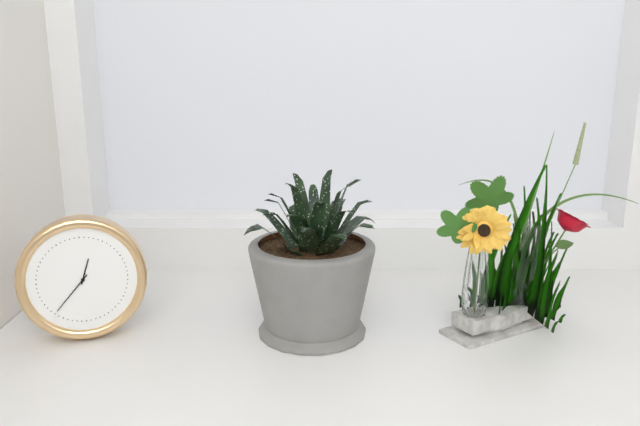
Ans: 12:37
